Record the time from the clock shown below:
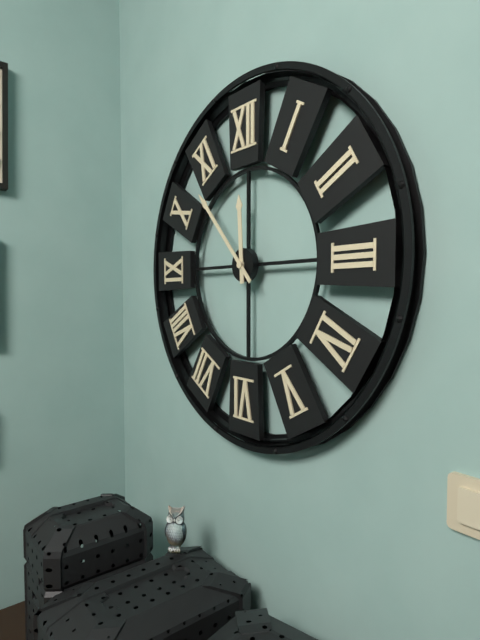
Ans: 11:53
